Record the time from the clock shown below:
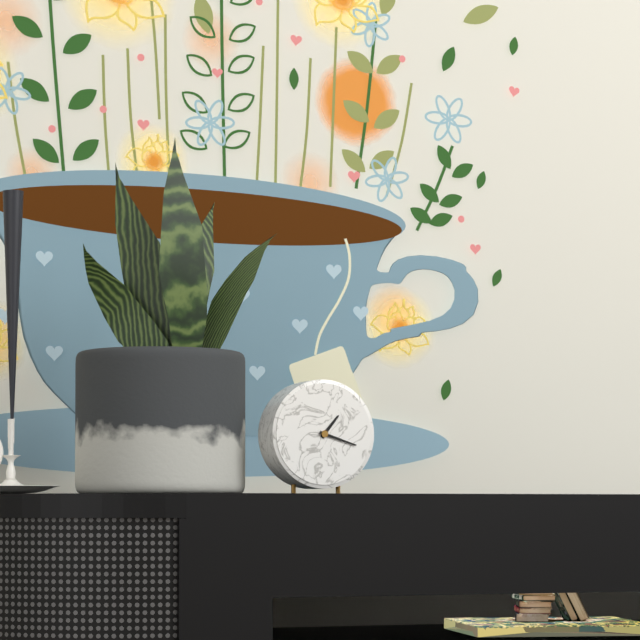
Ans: 1:18
